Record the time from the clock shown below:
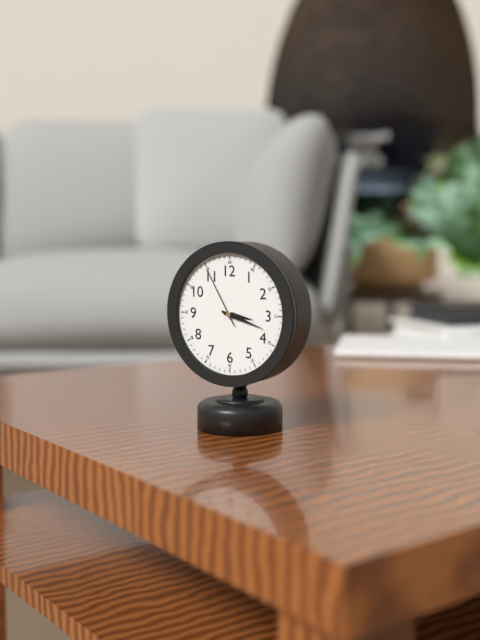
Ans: 3:18:55
